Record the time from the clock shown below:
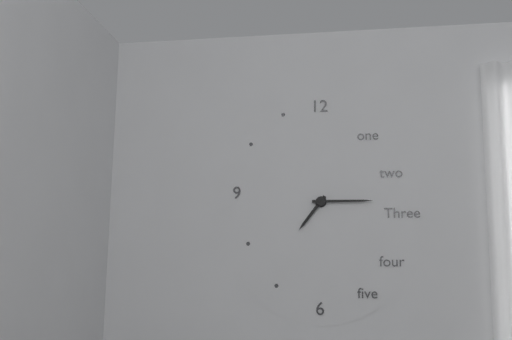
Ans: 7:15
